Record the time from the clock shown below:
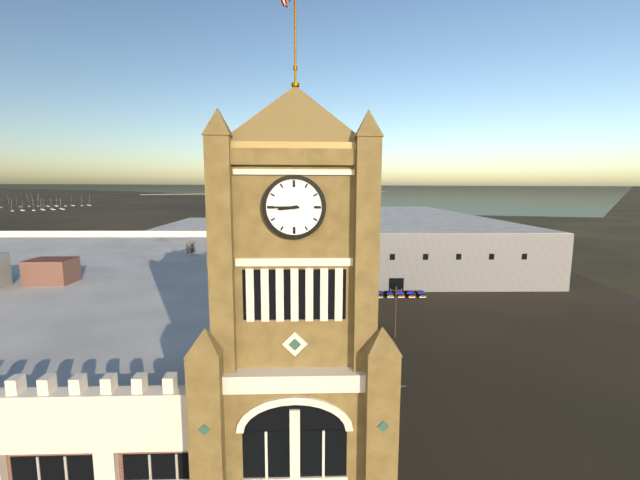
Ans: 8:45
